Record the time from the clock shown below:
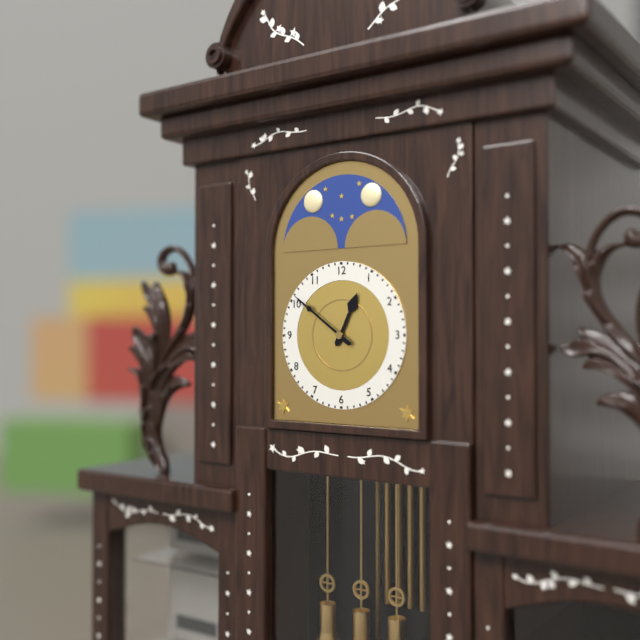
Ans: 12:51
